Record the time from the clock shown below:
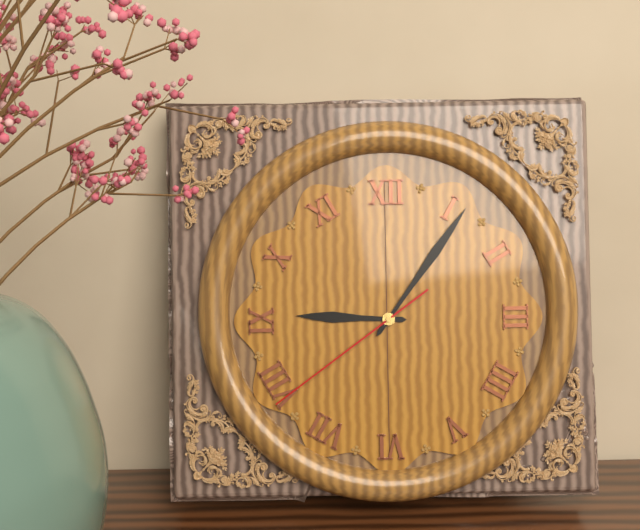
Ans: 9:06:39
